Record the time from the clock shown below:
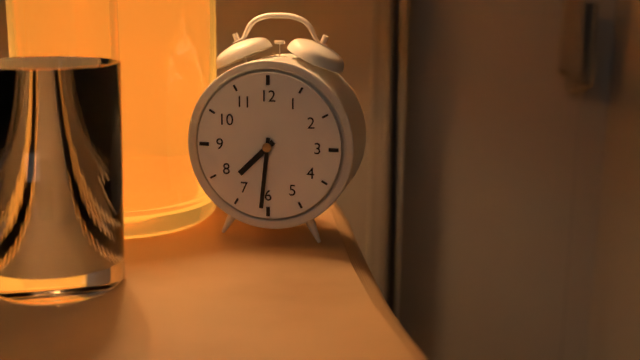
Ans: 7:31
